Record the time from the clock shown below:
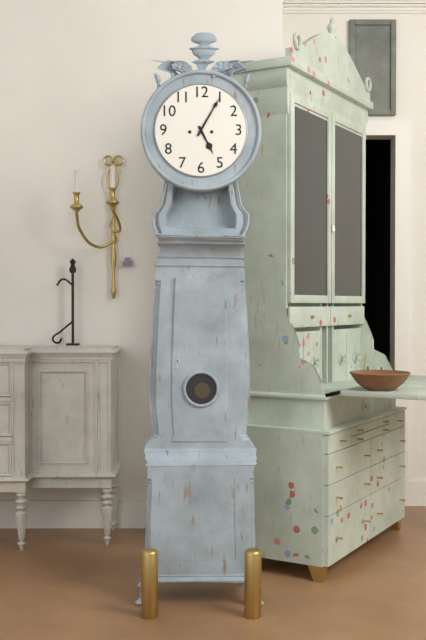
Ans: 5:05
